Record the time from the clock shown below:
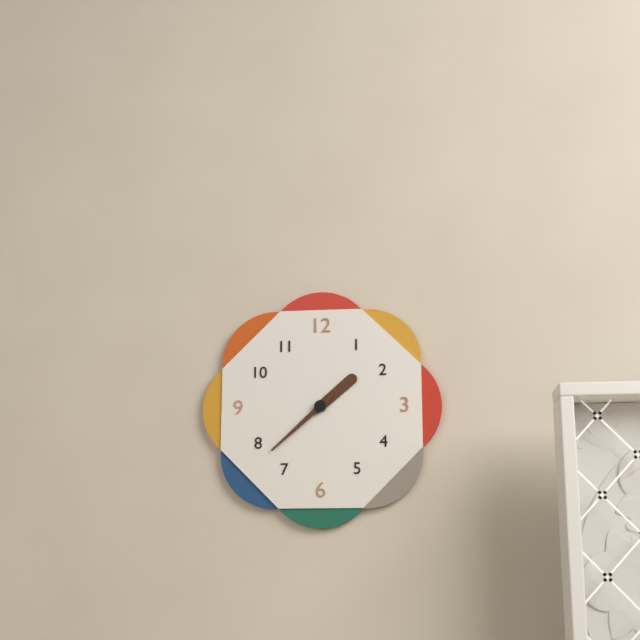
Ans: 1:38
